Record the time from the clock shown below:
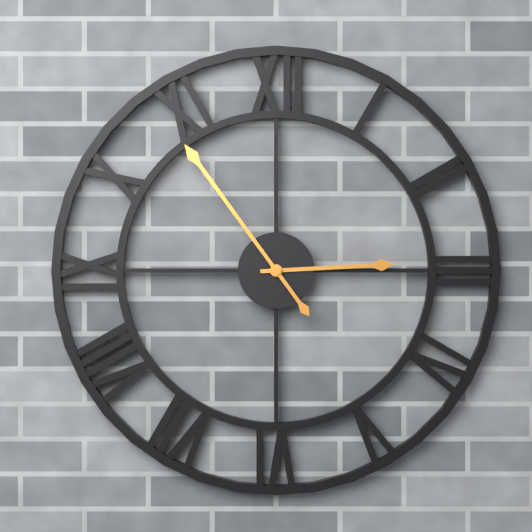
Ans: 2:54
